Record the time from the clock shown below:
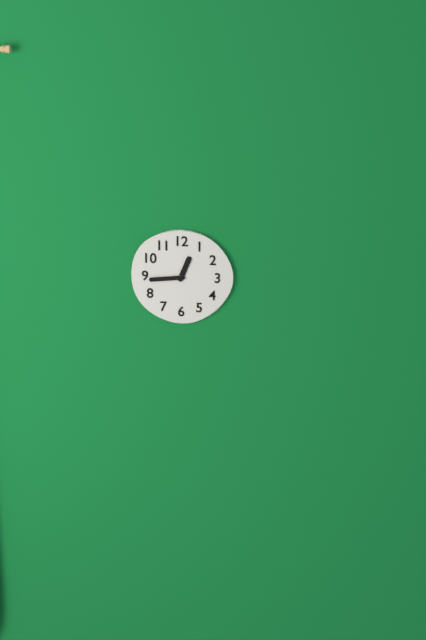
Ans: 12:44
